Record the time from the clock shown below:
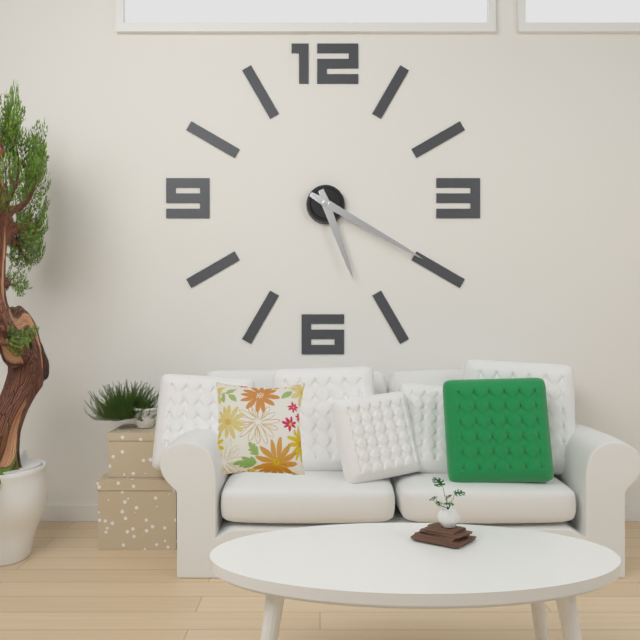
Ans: 5:20
